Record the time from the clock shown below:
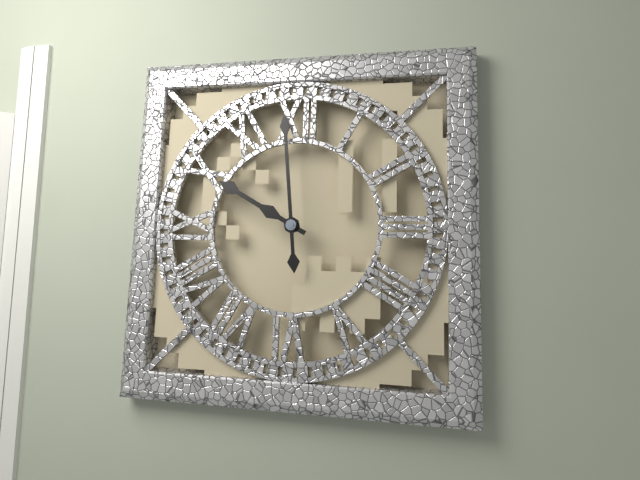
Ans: 9:59
